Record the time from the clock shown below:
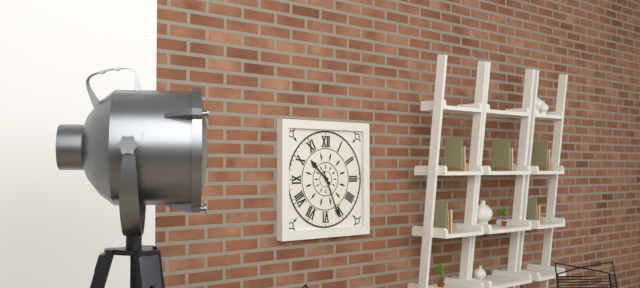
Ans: 10:26
